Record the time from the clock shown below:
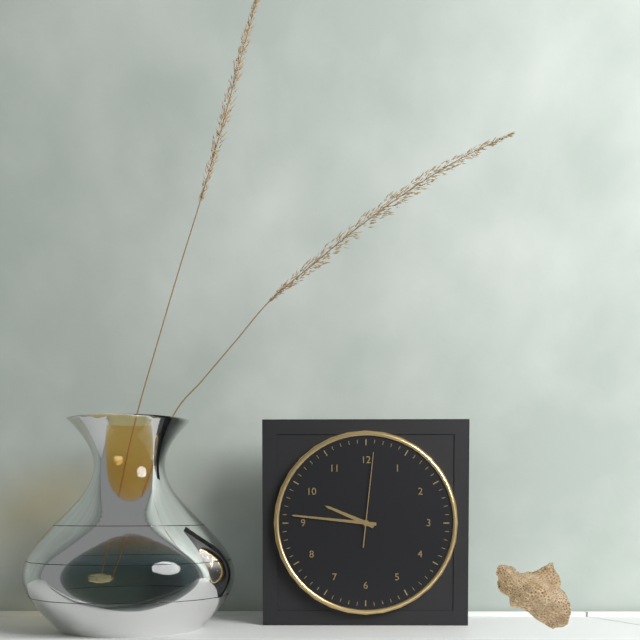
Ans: 9:46:01
